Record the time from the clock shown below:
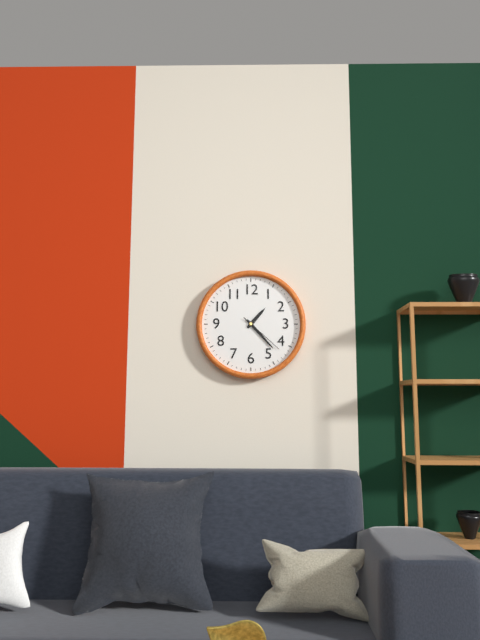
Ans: 1:23
